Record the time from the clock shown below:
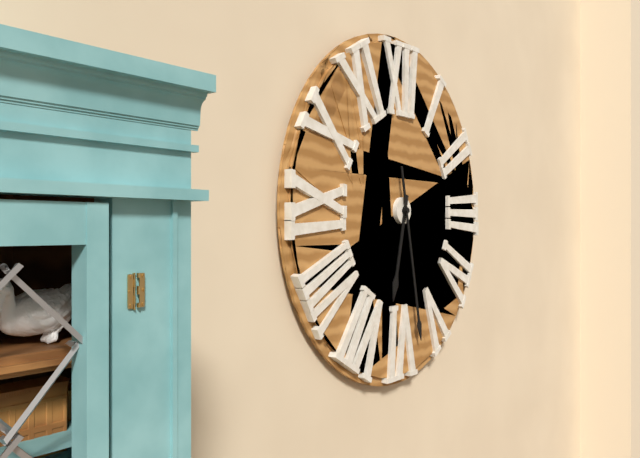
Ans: 6:28
